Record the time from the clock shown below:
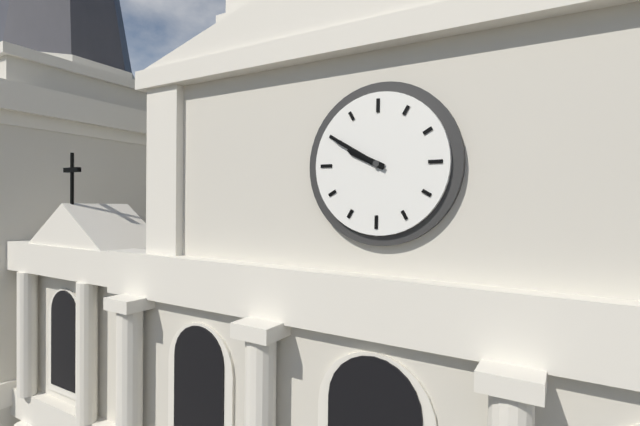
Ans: 9:50
